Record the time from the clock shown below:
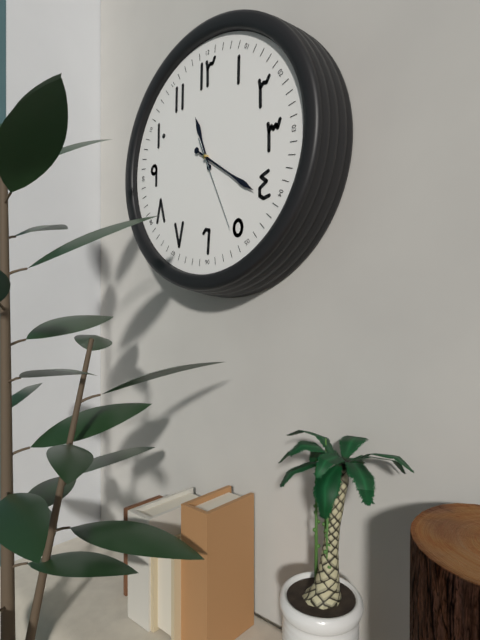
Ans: 11:21:26
